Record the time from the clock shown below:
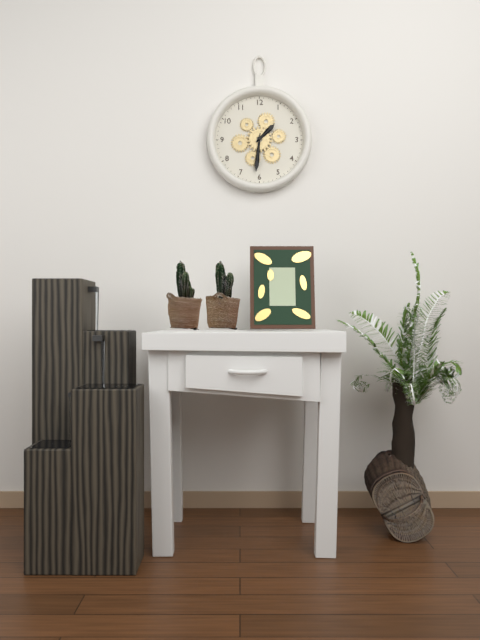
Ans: 1:31
